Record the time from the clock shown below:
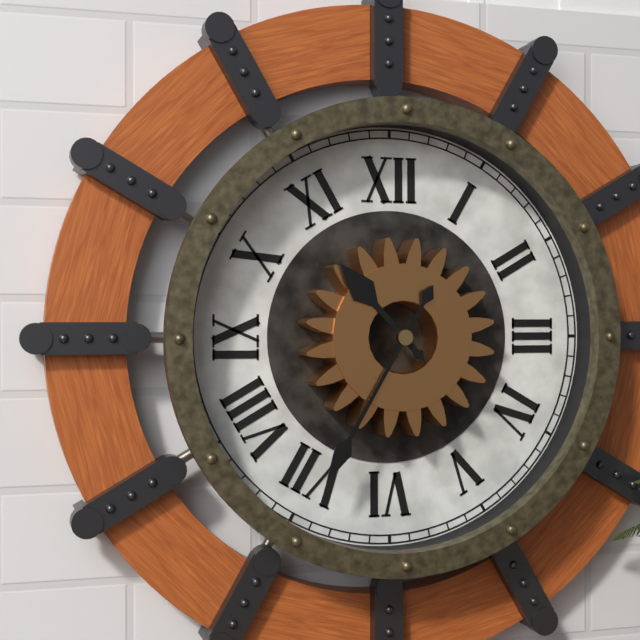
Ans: 10:35
